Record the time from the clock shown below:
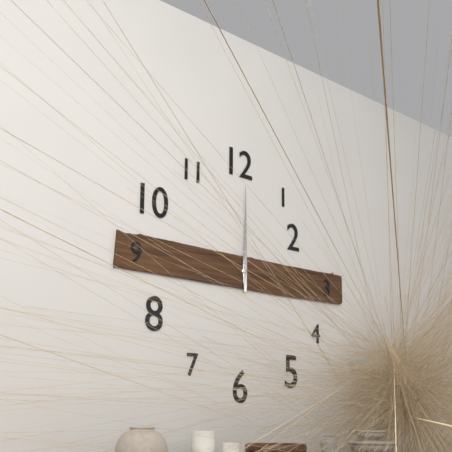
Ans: 12:00
